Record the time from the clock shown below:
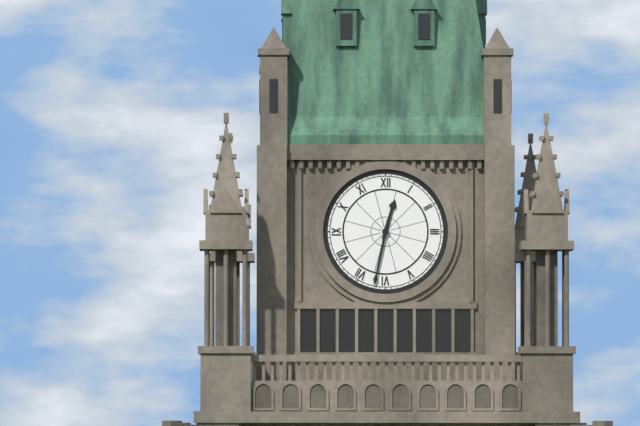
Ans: 12:32
